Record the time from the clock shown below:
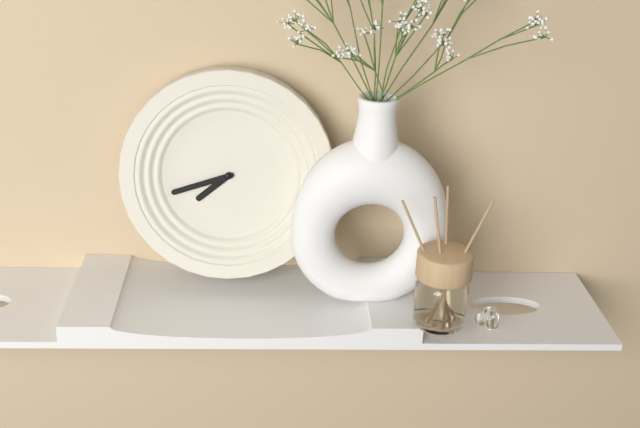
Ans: 7:42
